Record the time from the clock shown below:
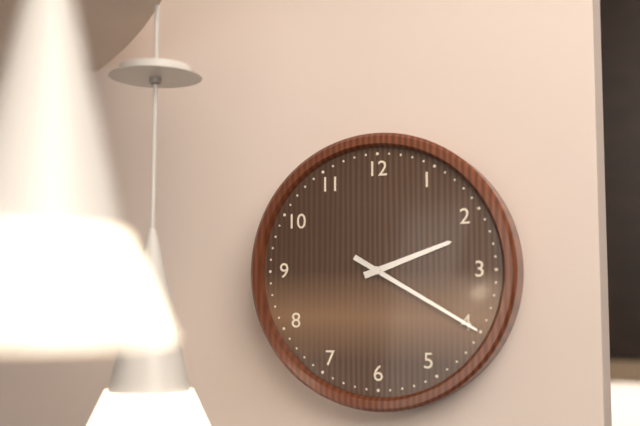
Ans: 2:20
